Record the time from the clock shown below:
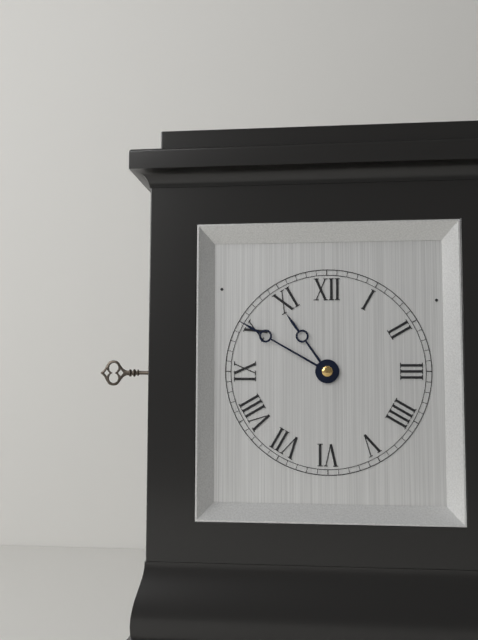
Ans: 10:50
